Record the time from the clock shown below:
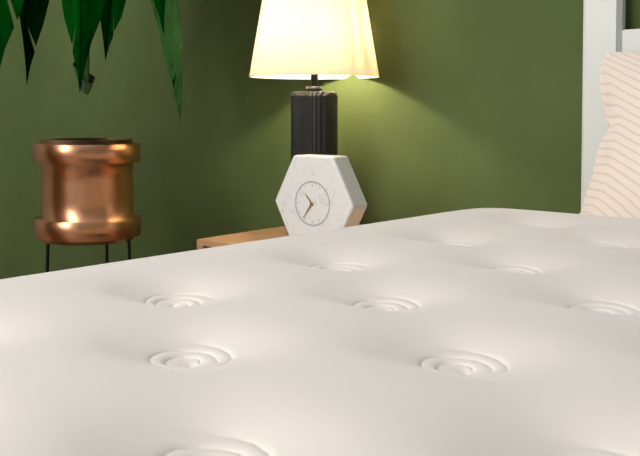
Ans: 10:36
